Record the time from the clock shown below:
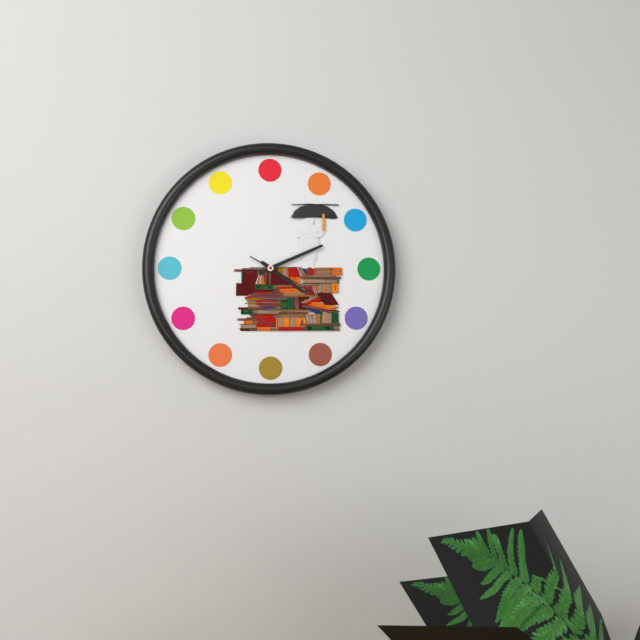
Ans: 4:11:20
